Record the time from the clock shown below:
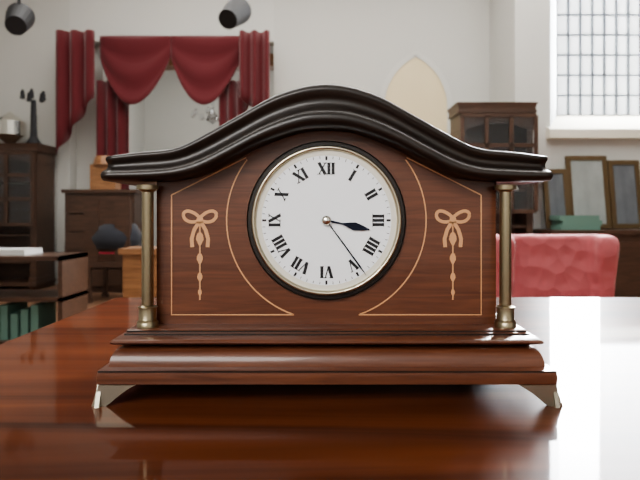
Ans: 3:24
